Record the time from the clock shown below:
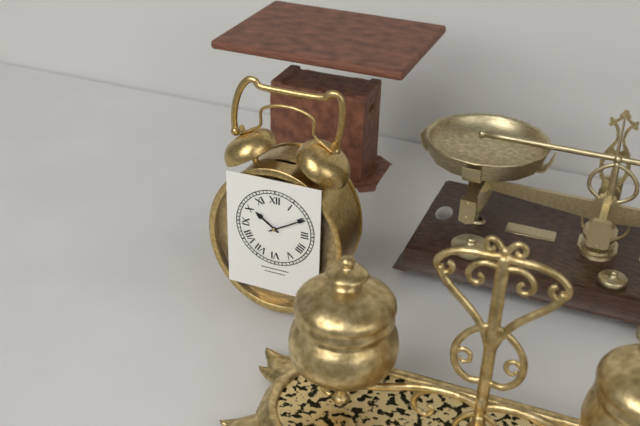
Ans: 10:10
